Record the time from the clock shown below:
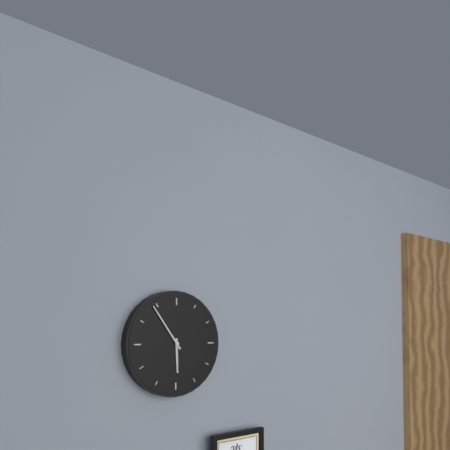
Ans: 5:54
